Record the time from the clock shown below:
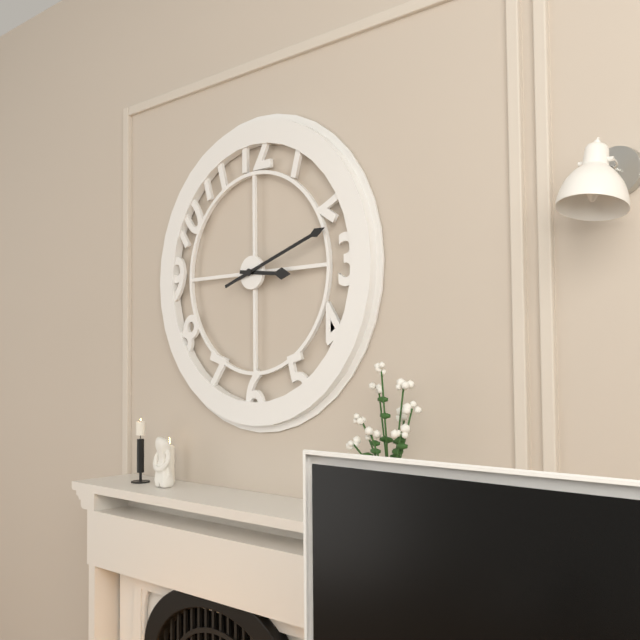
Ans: 3:12
